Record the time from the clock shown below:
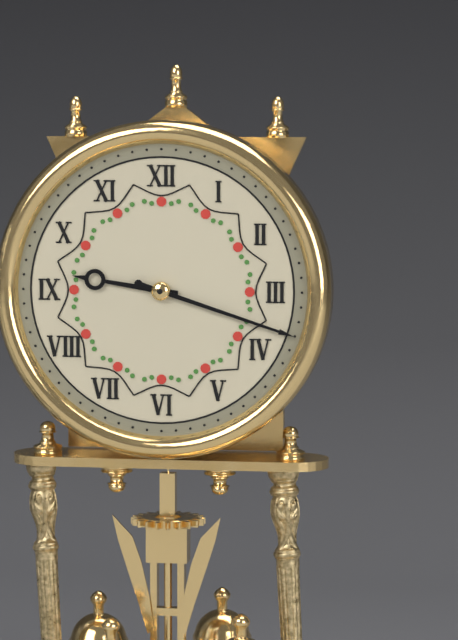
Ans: 9:18
